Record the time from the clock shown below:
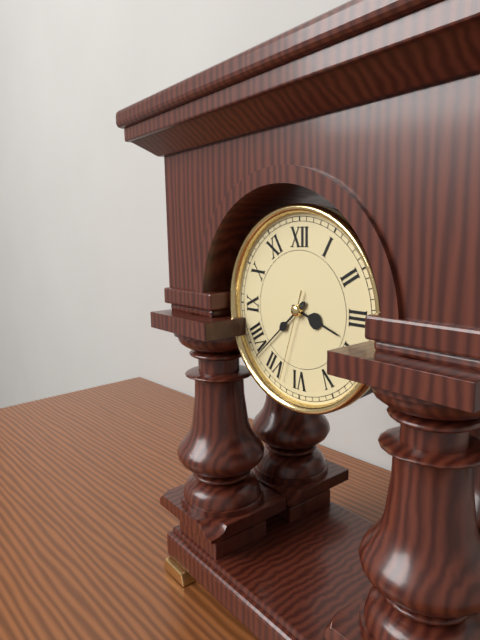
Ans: 3:38:33
